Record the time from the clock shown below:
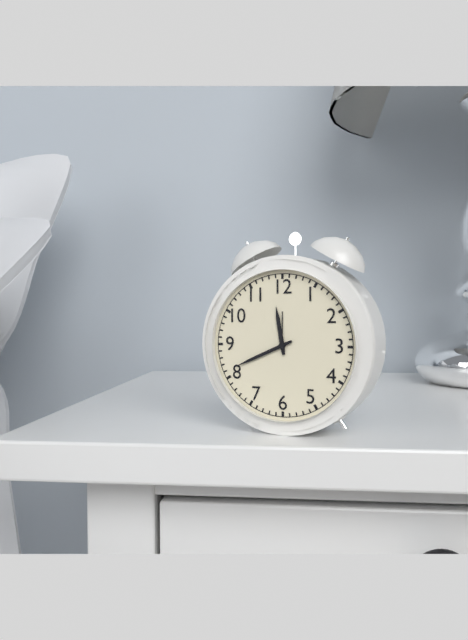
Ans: 11:41
